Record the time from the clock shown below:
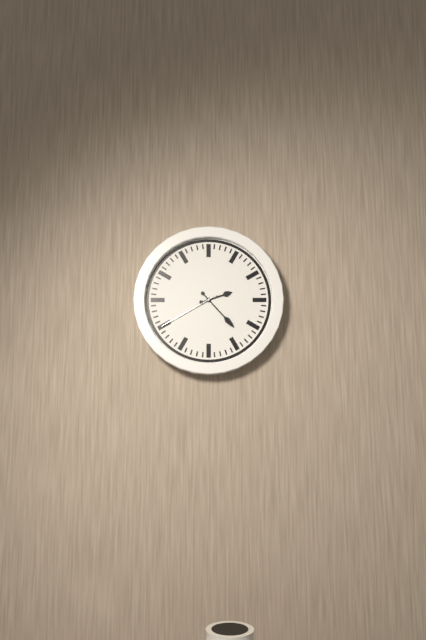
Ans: 2:23:40
